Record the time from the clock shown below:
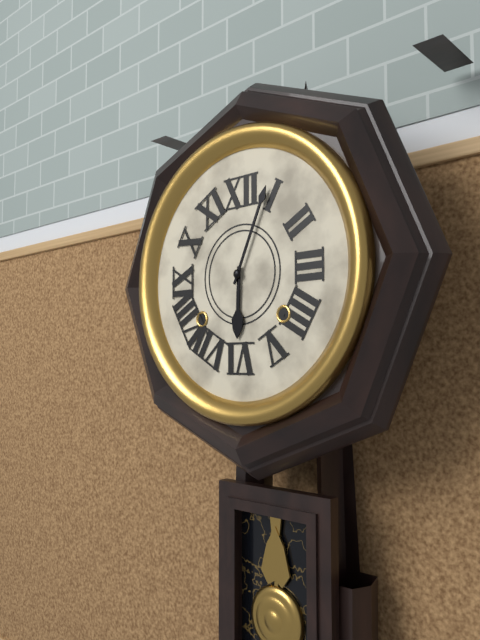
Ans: 6:04
